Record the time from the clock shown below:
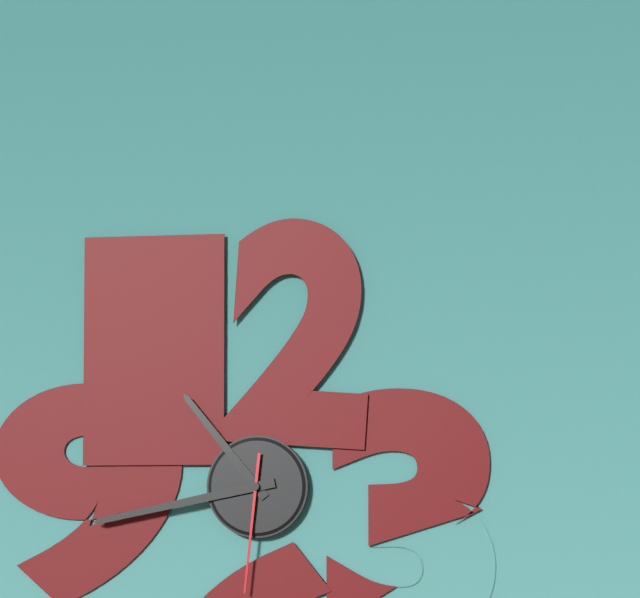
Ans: 10:43:31
